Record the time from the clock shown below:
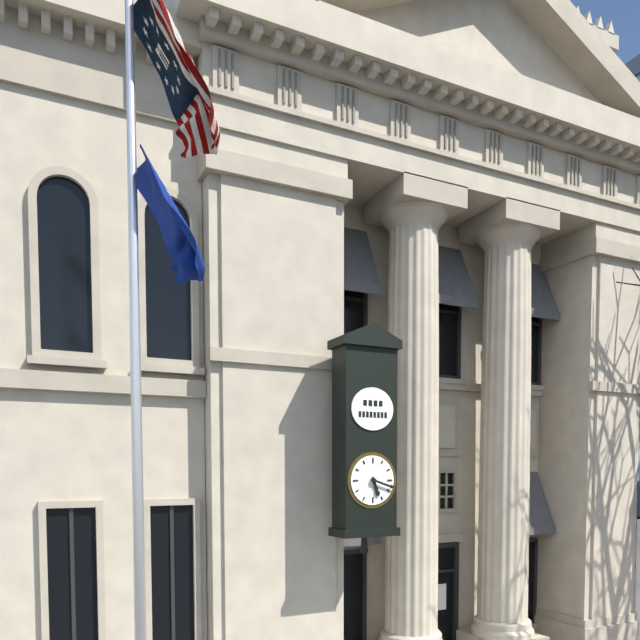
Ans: 5:18
